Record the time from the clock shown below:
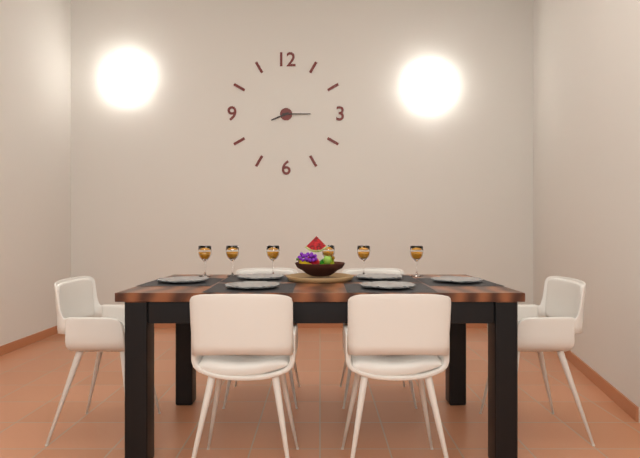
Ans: 8:15
